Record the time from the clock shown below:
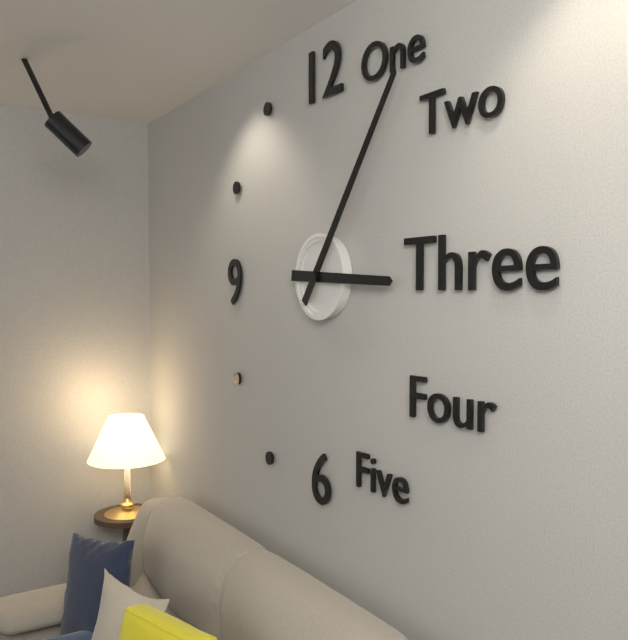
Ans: 3:06
